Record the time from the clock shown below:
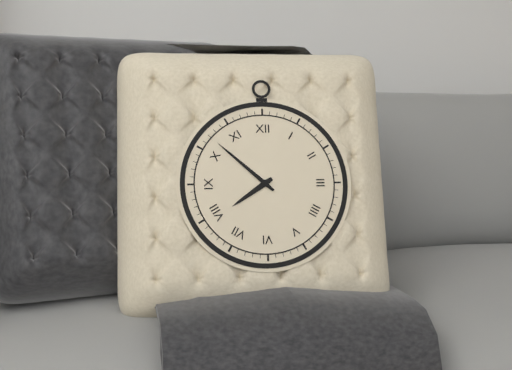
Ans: 7:52
